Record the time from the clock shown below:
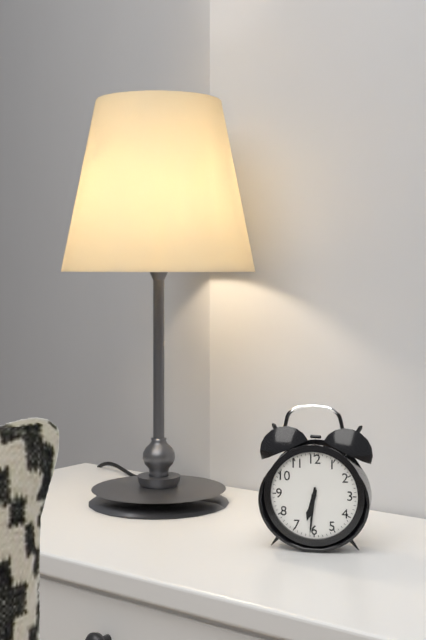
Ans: 6:31
